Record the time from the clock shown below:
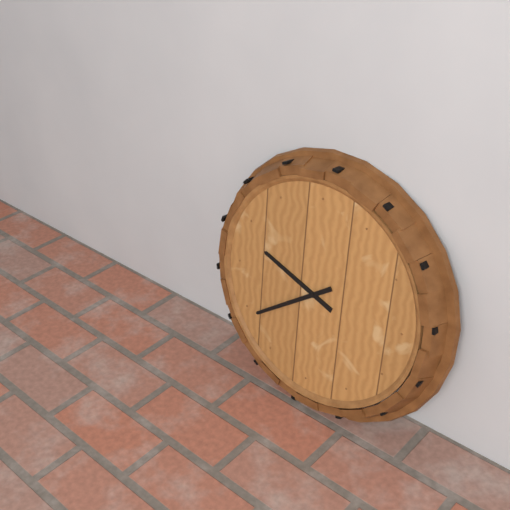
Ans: 9:39
